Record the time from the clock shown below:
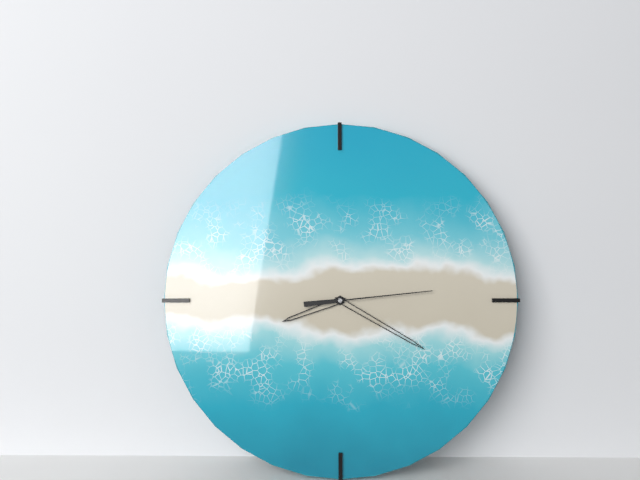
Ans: 8:20:14
